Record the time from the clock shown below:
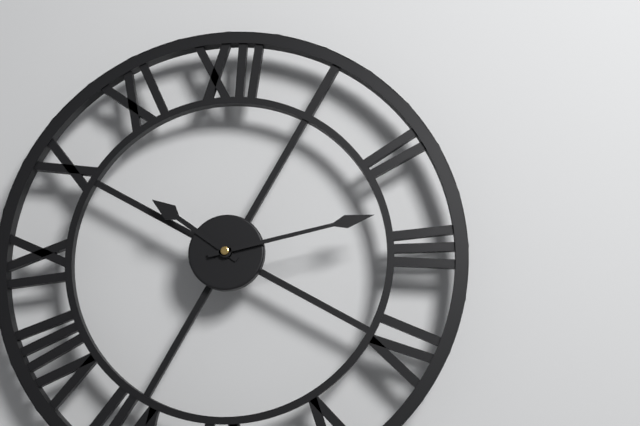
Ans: 10:13
